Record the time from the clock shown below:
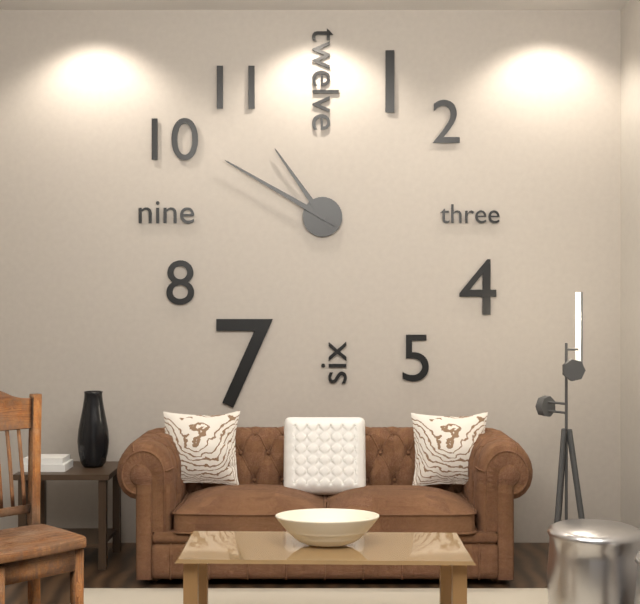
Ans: 10:50
